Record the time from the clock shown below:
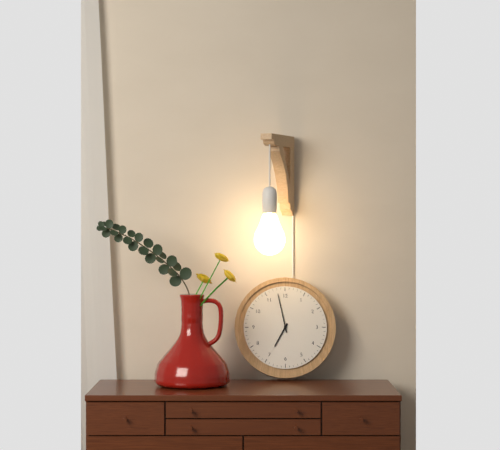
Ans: 6:58
